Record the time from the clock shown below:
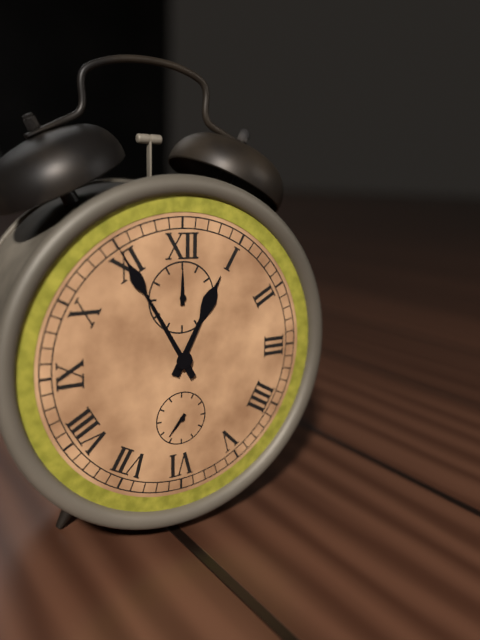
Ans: 12:55
